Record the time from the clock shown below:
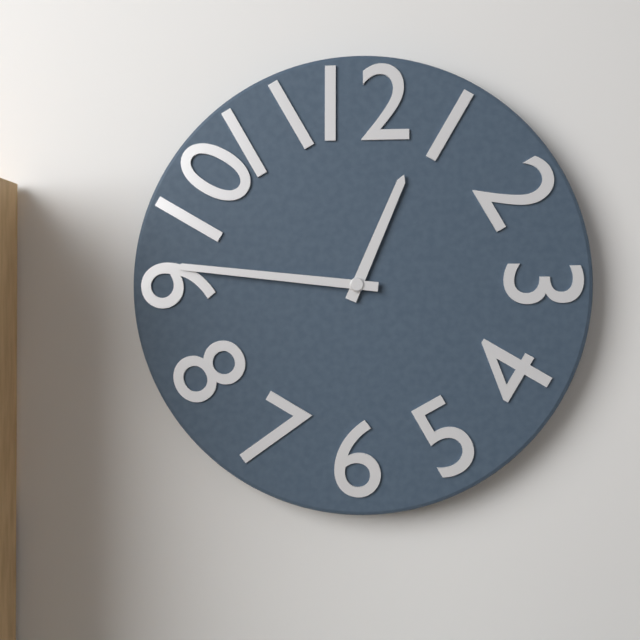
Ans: 12:46
